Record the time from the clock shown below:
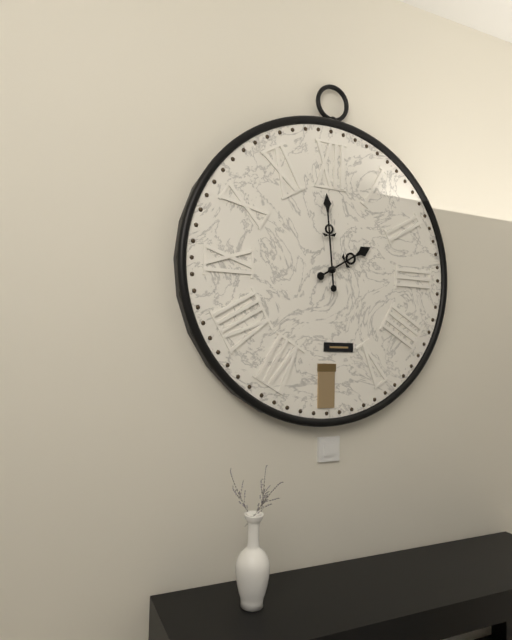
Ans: 1:59
